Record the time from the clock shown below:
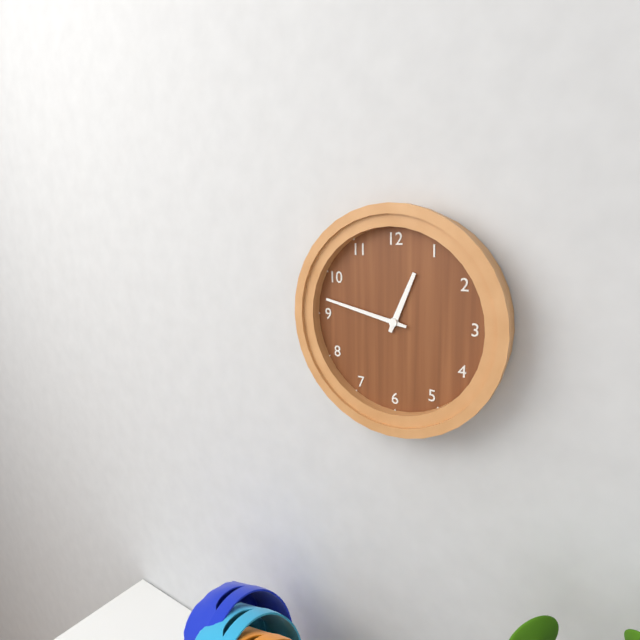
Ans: 12:47
